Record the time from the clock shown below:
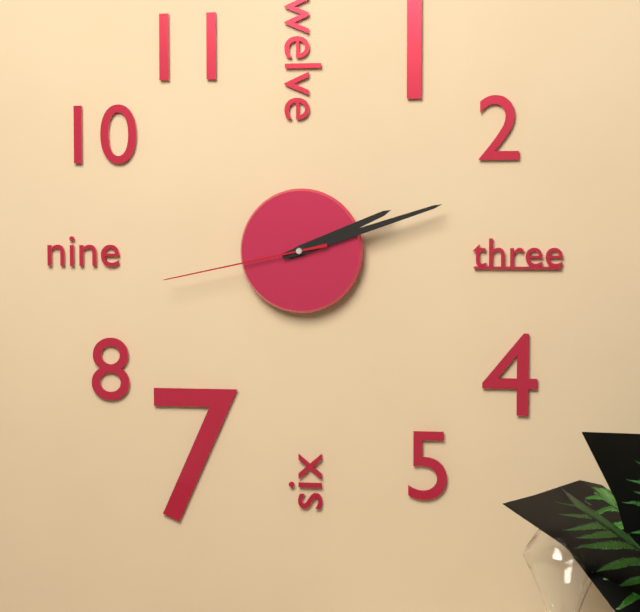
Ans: 2:12:43
